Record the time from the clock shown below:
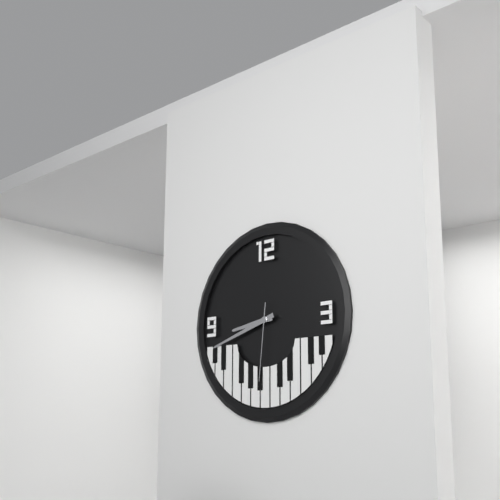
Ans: 8:42:31
